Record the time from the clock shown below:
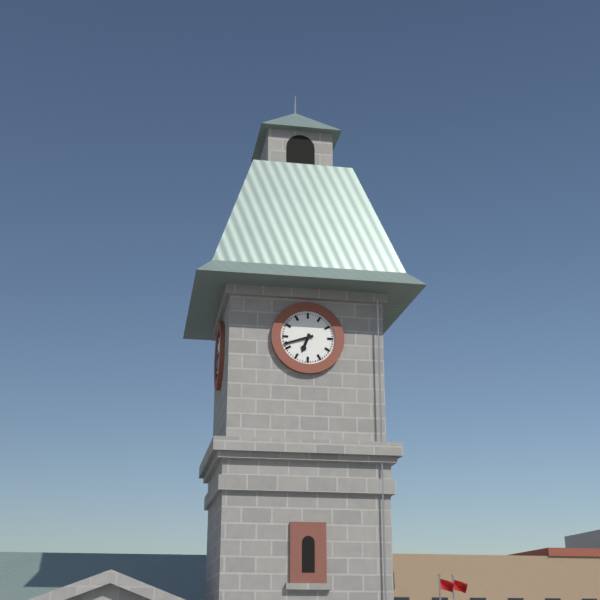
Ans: 6:42
